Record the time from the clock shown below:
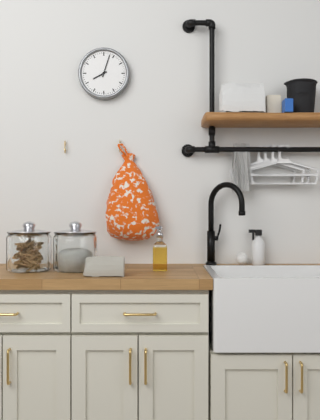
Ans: 8:03
